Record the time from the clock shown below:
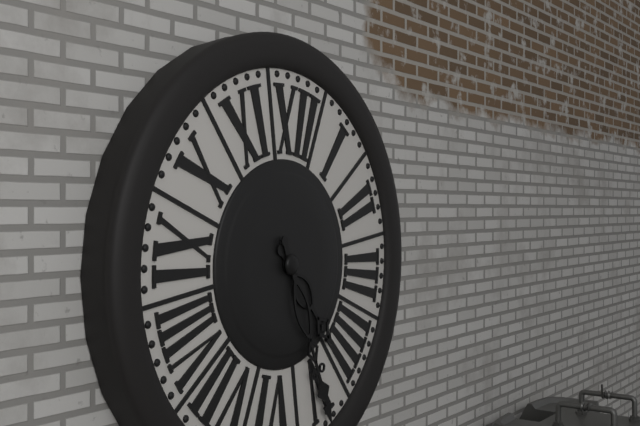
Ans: 4:25
